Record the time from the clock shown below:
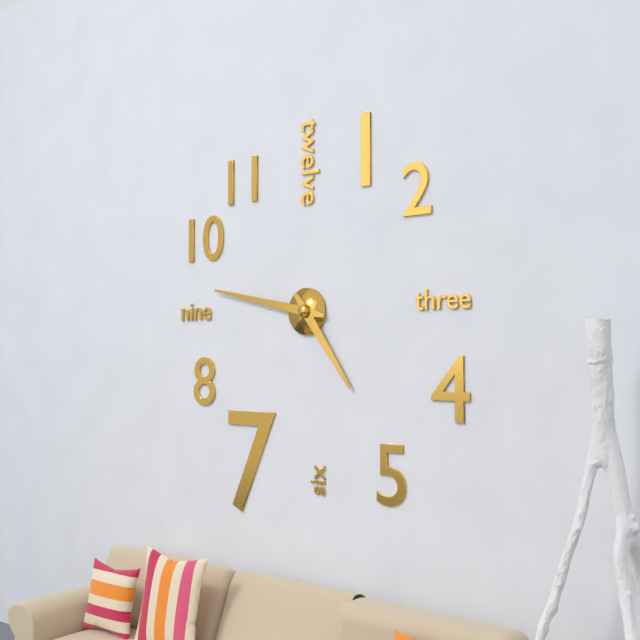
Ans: 4:47
